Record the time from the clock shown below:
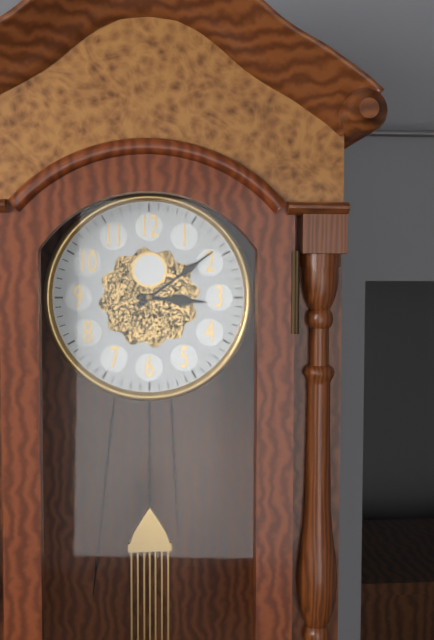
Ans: 3:09
